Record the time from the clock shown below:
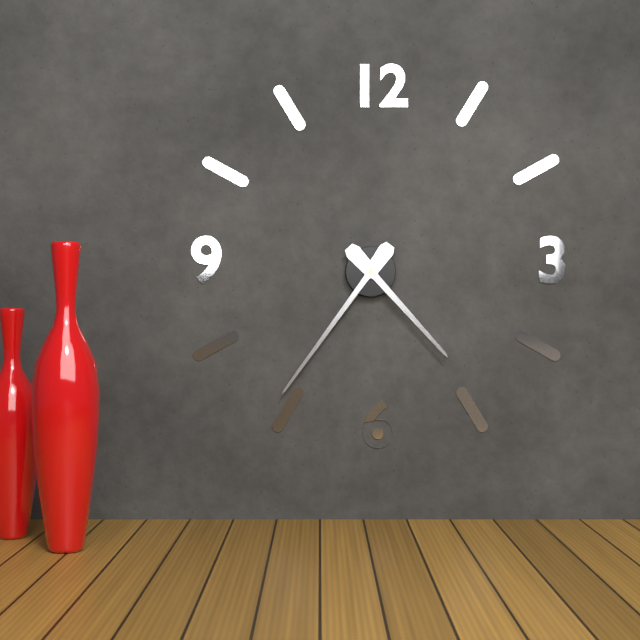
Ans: 4:36
